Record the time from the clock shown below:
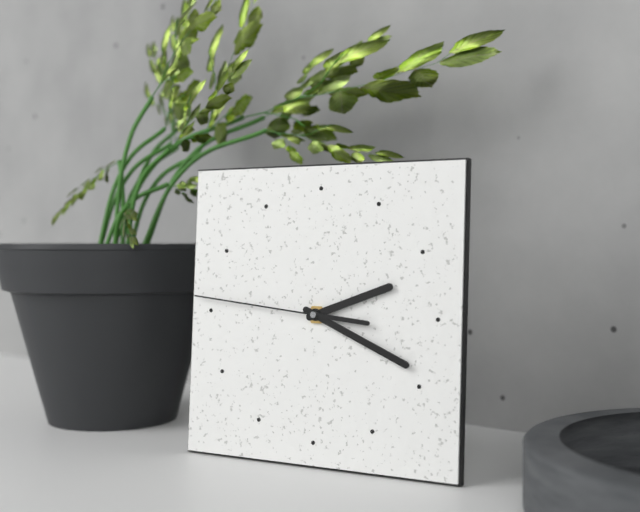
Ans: 2:19:46
